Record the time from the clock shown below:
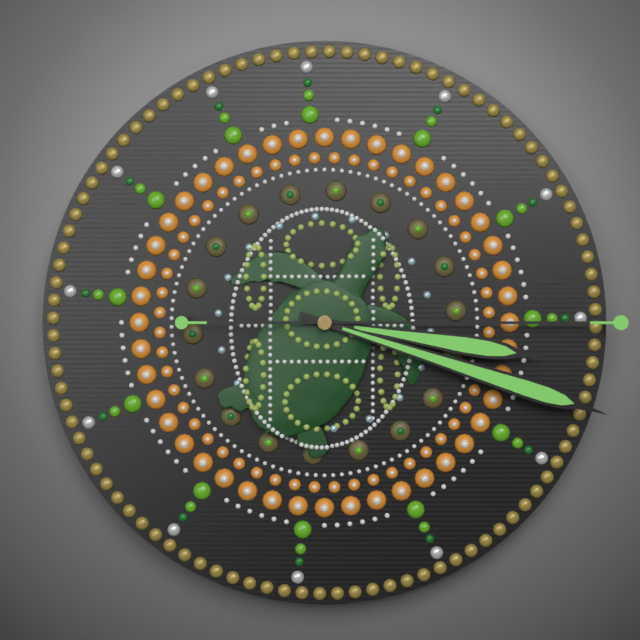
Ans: 3:18:15
